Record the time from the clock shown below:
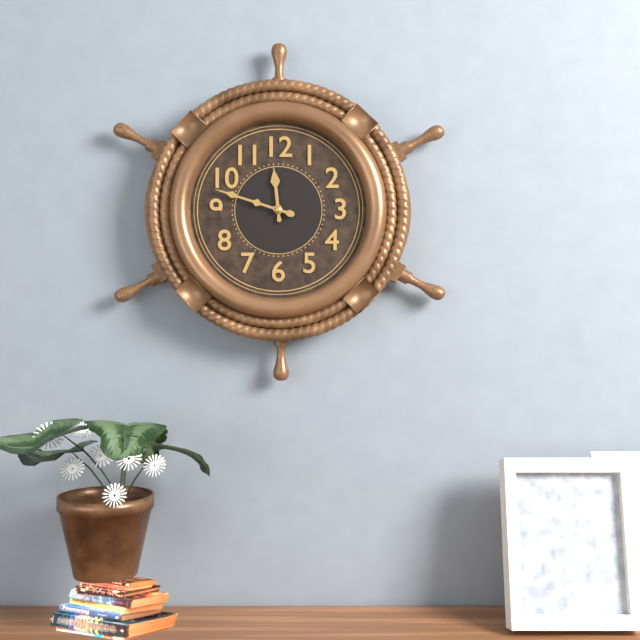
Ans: 11:48
